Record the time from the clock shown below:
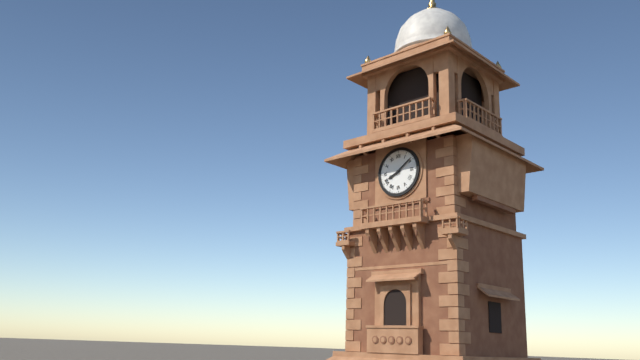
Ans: 8:09
